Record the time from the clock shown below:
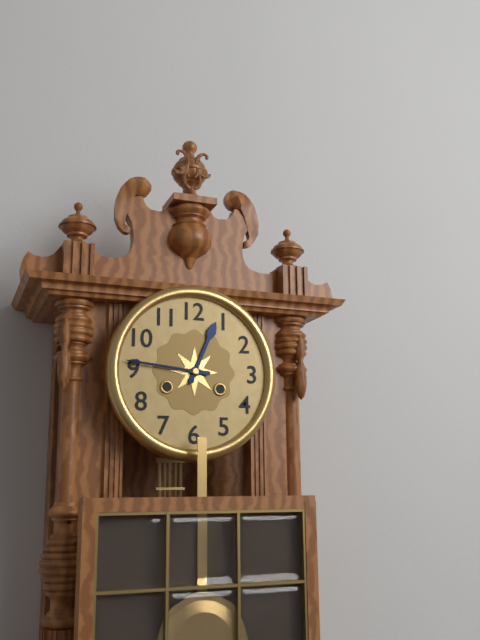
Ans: 12:46
